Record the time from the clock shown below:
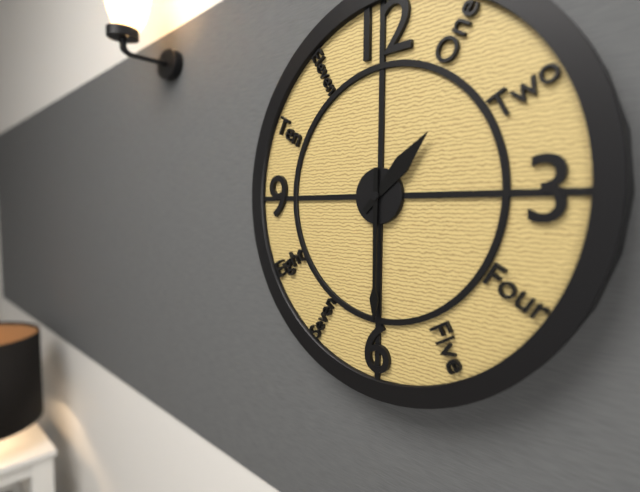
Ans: 1:30
